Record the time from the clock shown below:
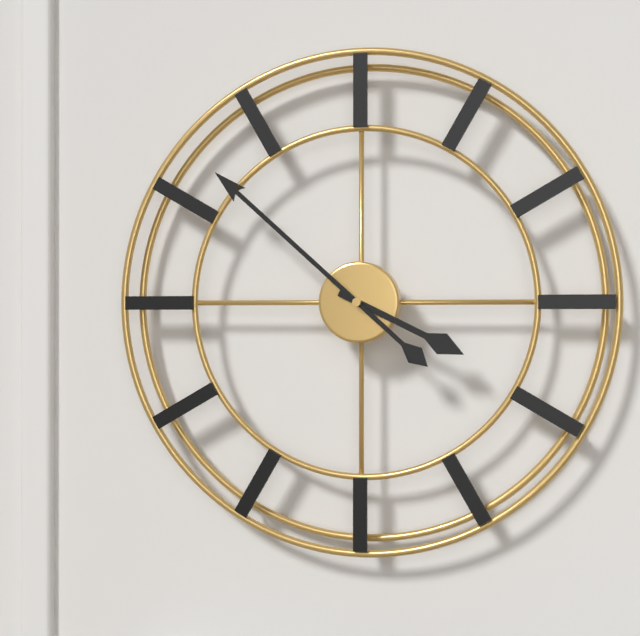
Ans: 3:52
